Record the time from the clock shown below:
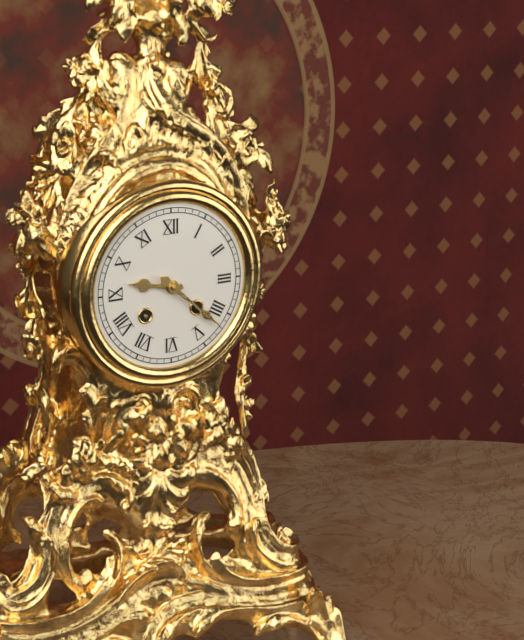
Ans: 9:22
